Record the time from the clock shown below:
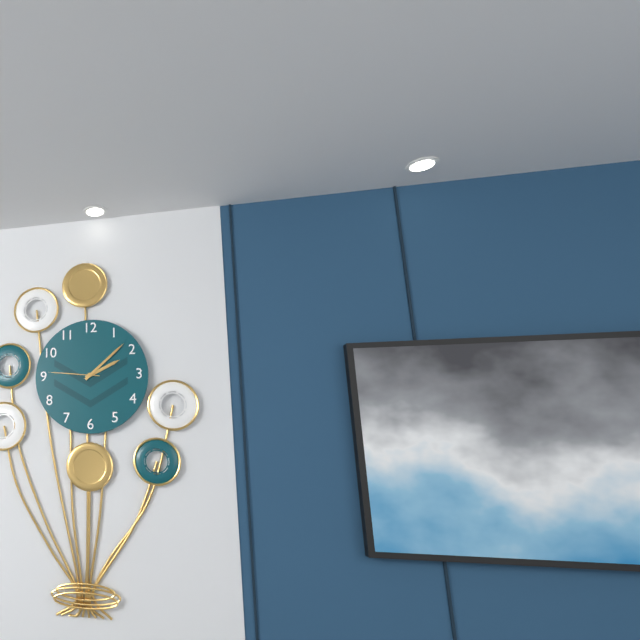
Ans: 2:08:46
